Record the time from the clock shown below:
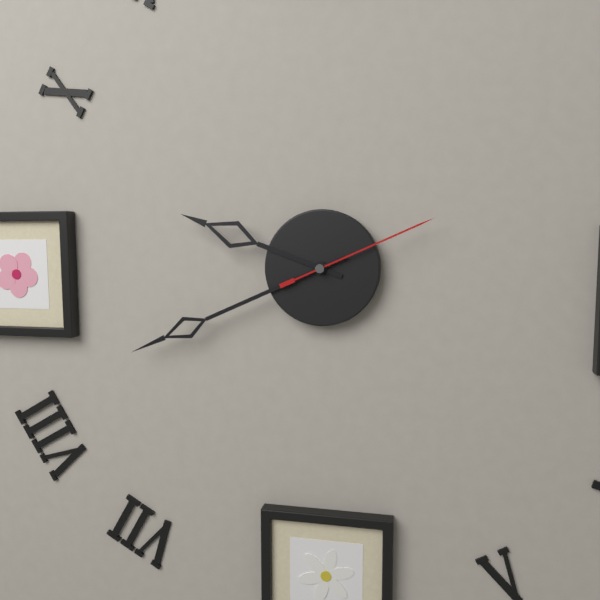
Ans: 9:41:11
